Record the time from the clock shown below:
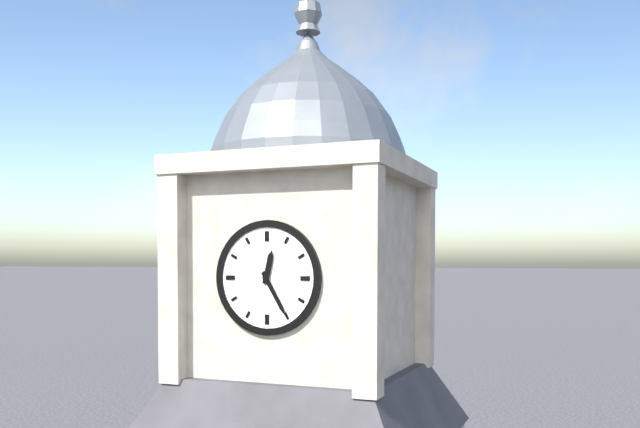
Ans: 12:25
